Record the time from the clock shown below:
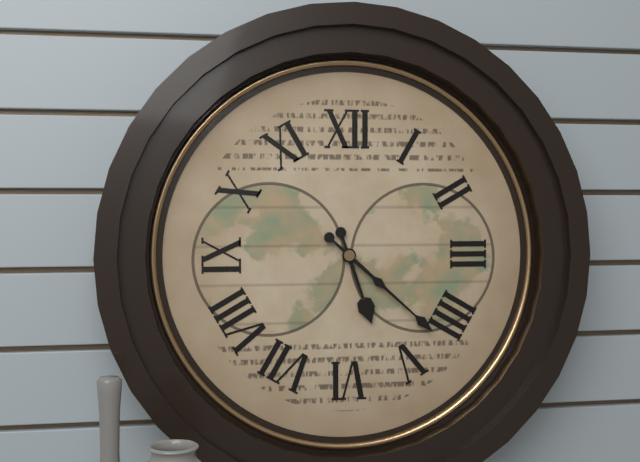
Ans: 5:22
